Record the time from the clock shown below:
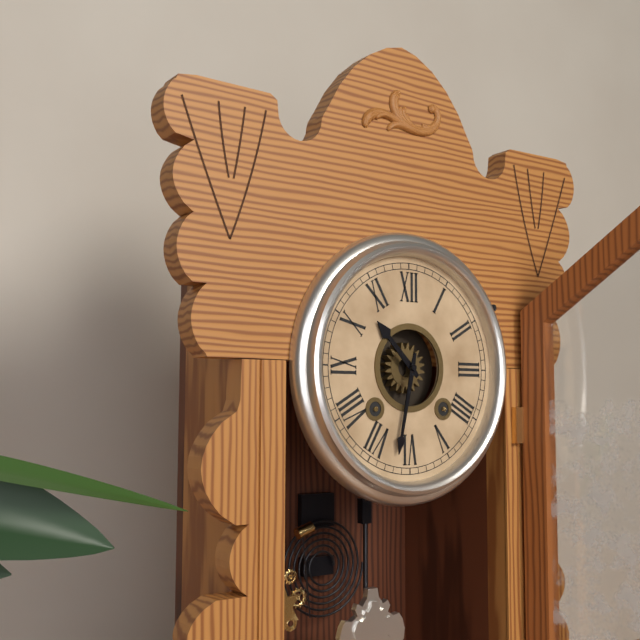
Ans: 10:32
